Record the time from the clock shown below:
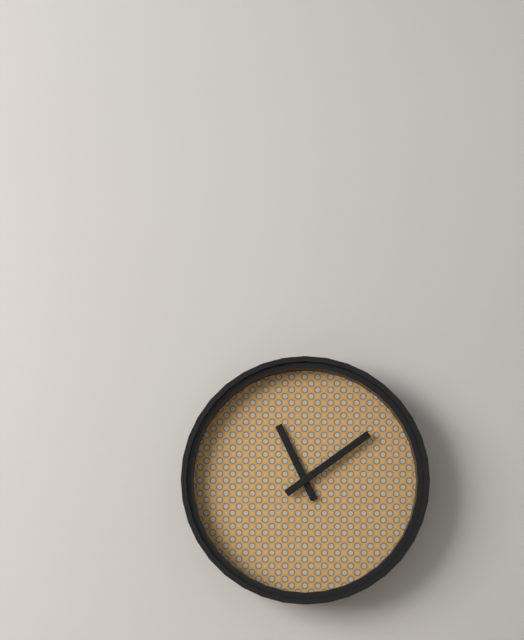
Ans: 11:09
